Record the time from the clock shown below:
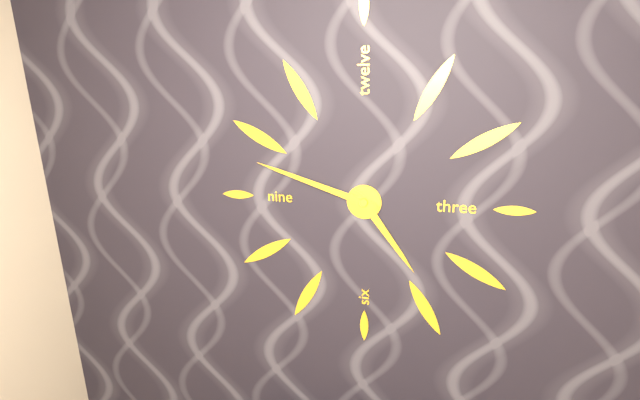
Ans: 4:48
